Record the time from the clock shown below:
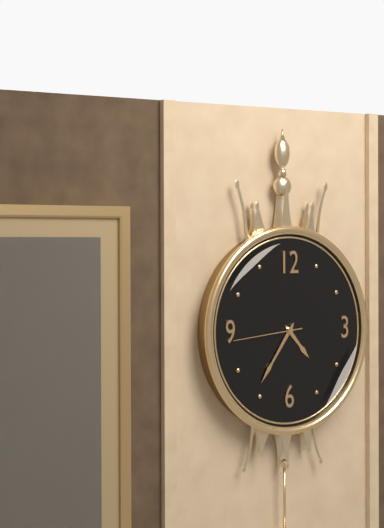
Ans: 4:36:44
